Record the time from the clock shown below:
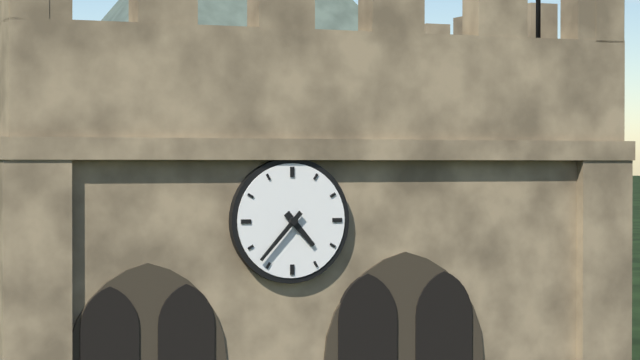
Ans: 4:37
